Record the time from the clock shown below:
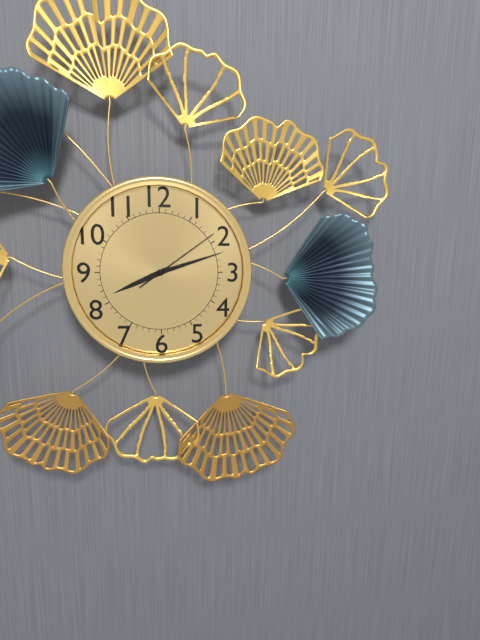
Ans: 8:12:09
